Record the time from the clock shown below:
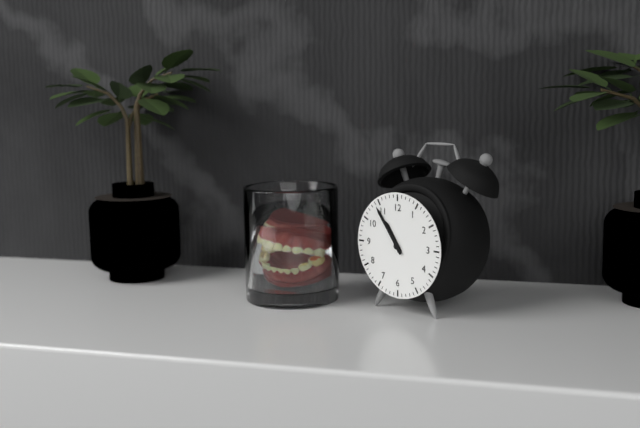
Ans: 10:54
